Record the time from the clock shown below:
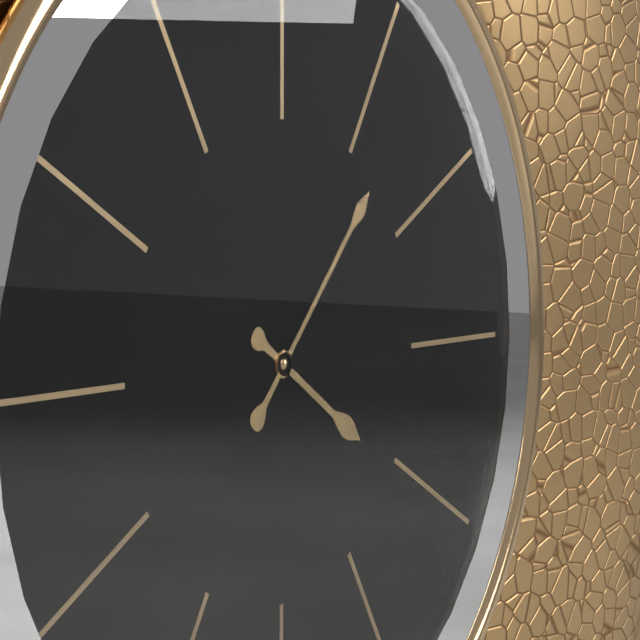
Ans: 4:07
